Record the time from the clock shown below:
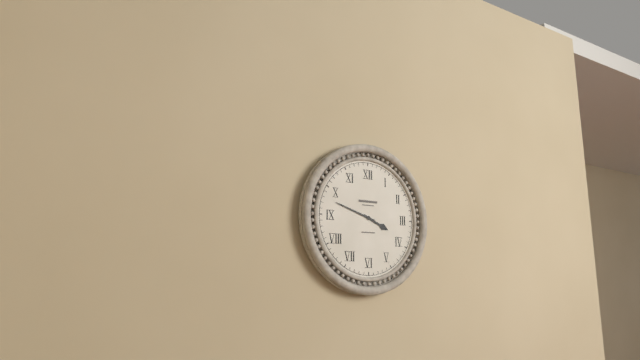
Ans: 3:48
